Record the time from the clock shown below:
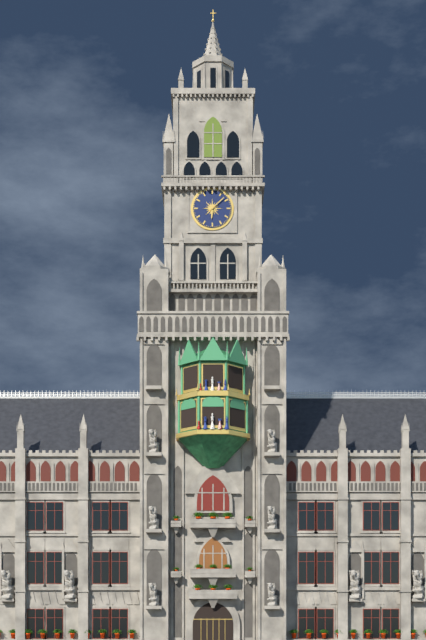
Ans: 6:08
